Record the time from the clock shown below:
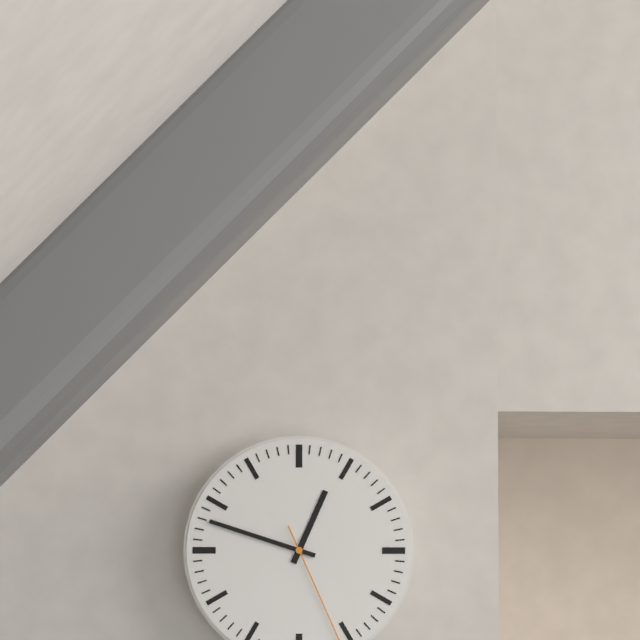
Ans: 12:48
